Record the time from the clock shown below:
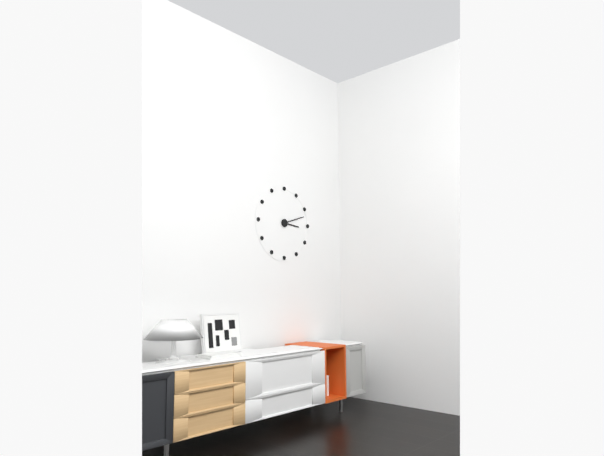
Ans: 3:12
